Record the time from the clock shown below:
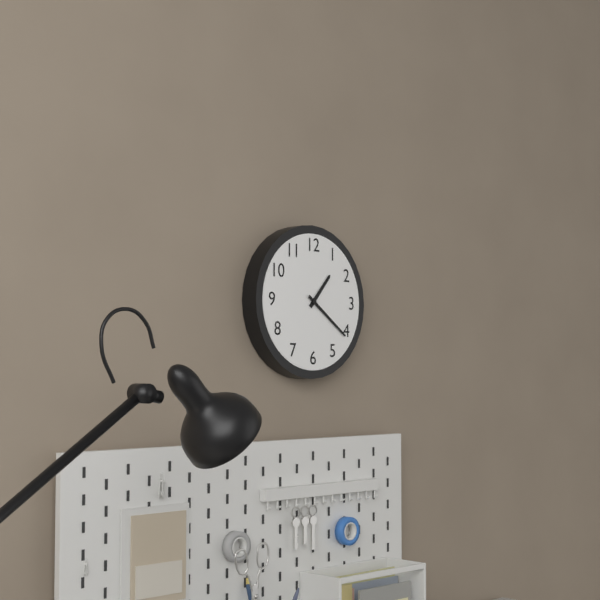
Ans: 1:21
